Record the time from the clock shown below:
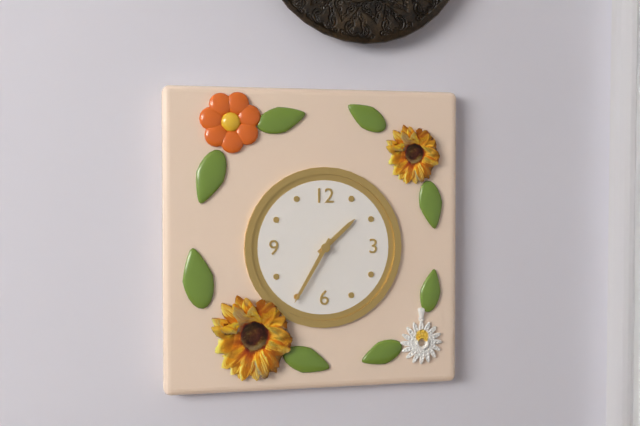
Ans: 1:35
